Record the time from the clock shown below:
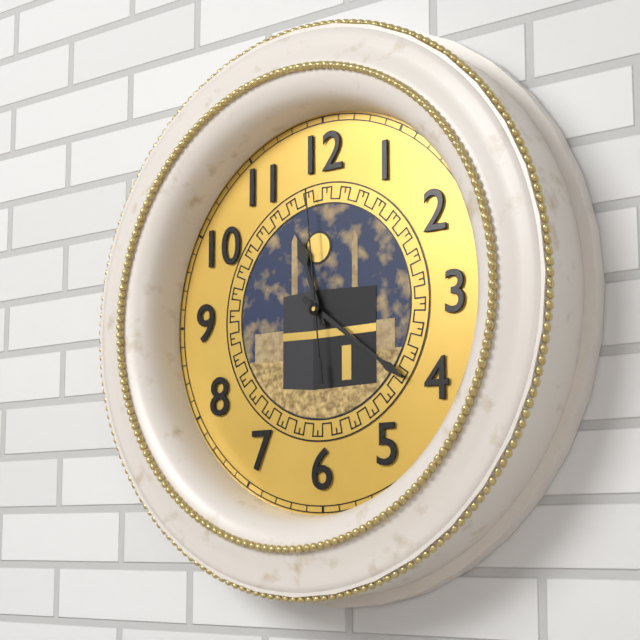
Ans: 11:21:59
